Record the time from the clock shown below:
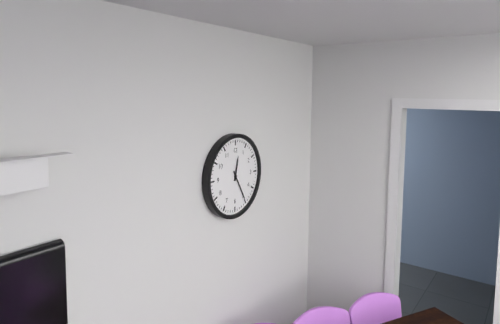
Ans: 12:25
